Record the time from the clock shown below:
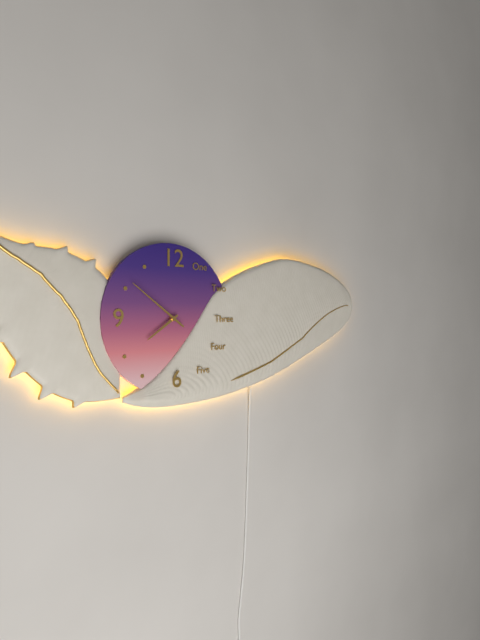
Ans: 7:51
